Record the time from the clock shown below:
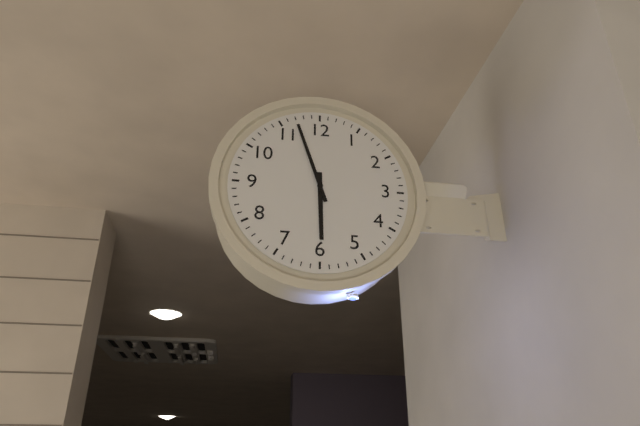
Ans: 5:57
